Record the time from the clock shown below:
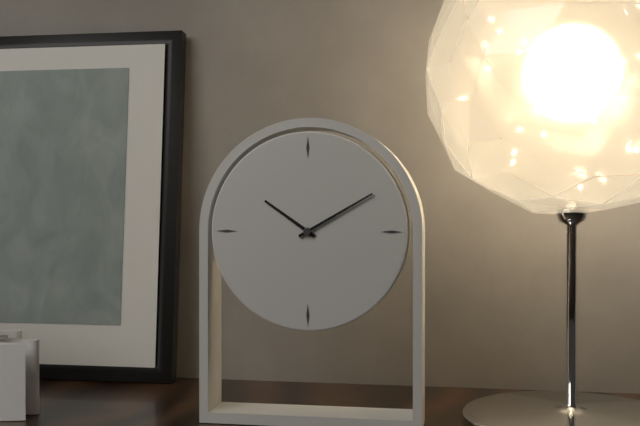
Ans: 10:10
